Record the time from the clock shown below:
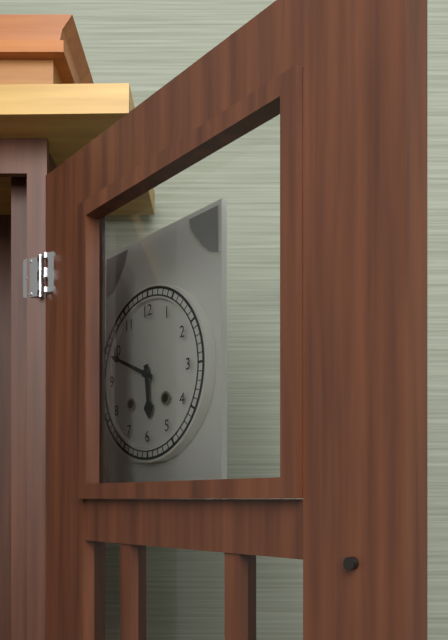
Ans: 5:49
